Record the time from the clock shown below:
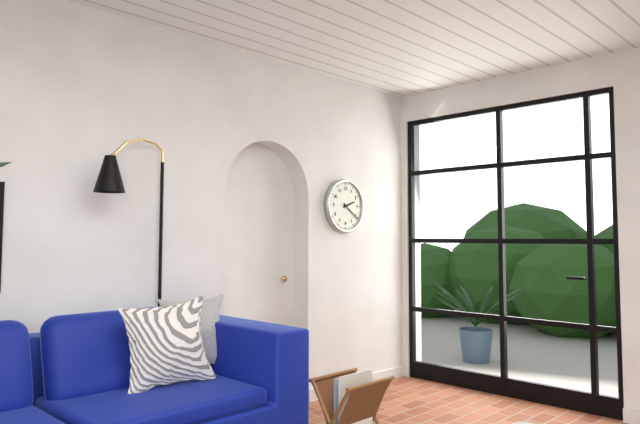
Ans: 2:21
